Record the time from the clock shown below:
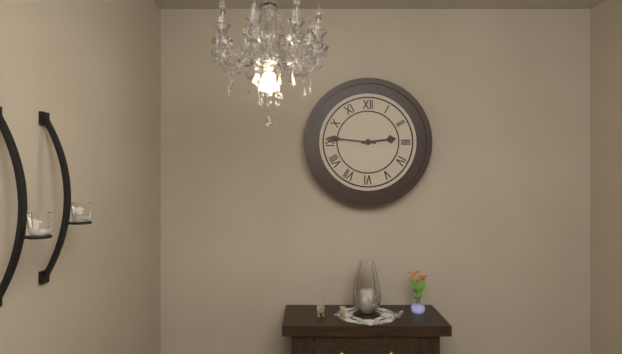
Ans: 2:46
